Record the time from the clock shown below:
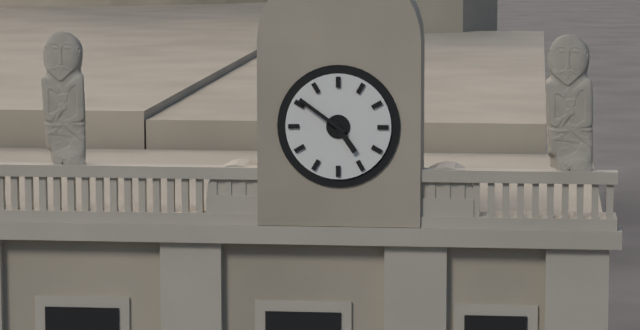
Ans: 4:51
